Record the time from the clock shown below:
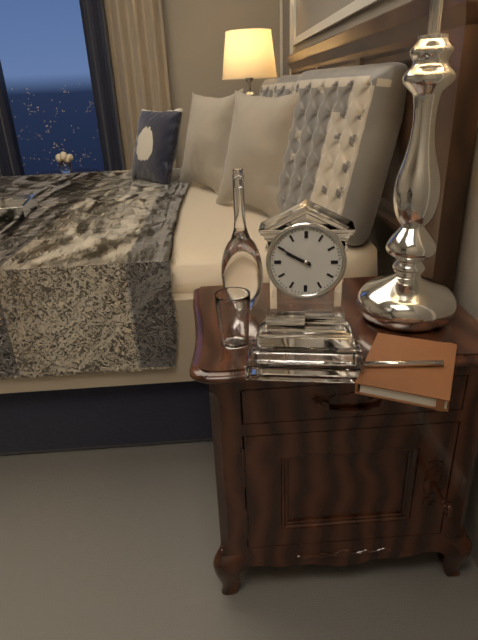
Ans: 9:50
